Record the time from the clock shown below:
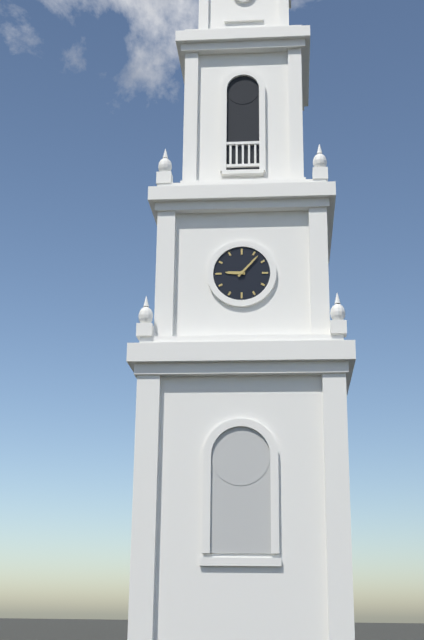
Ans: 9:07
